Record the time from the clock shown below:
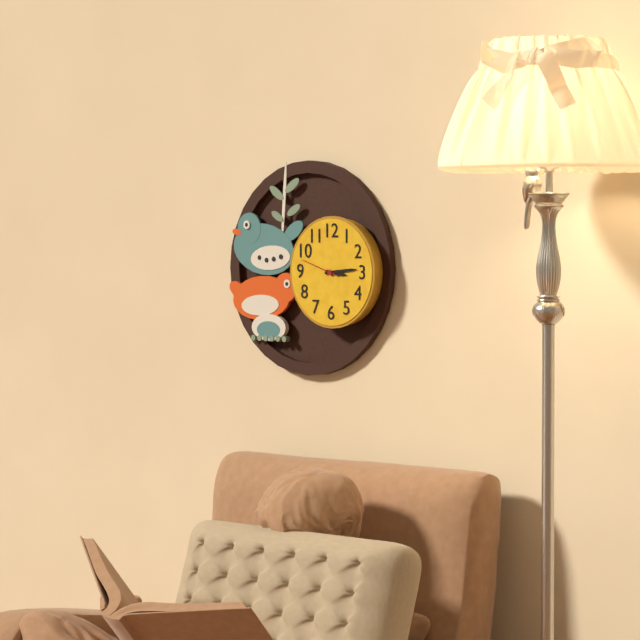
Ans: 3:14
